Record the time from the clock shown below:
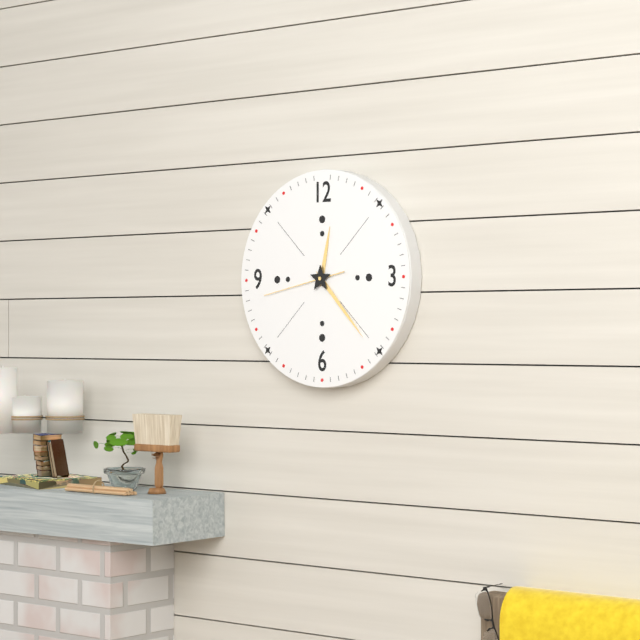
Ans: 12:23:43
